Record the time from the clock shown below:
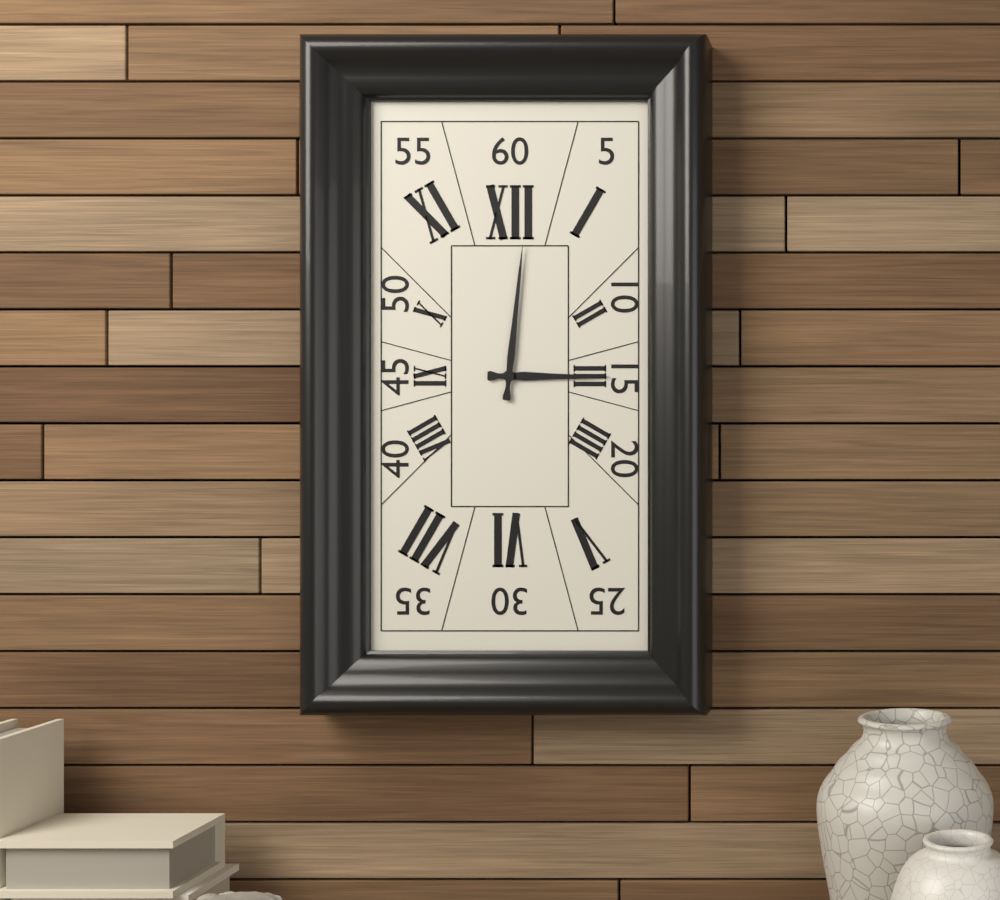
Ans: 3:01
